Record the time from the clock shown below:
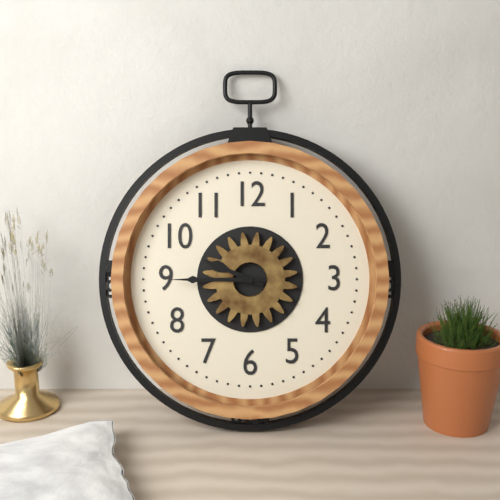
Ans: 9:45
